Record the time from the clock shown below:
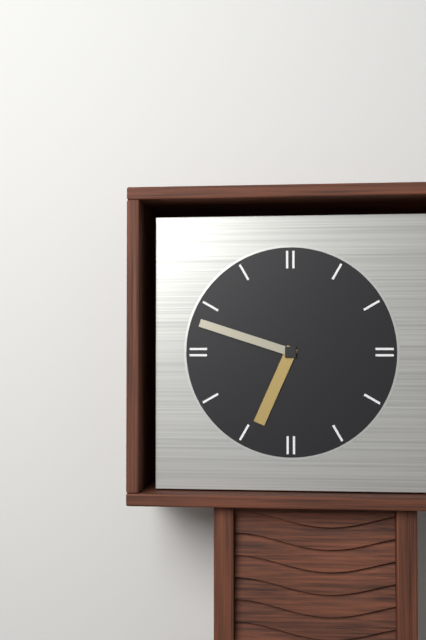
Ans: 6:48
